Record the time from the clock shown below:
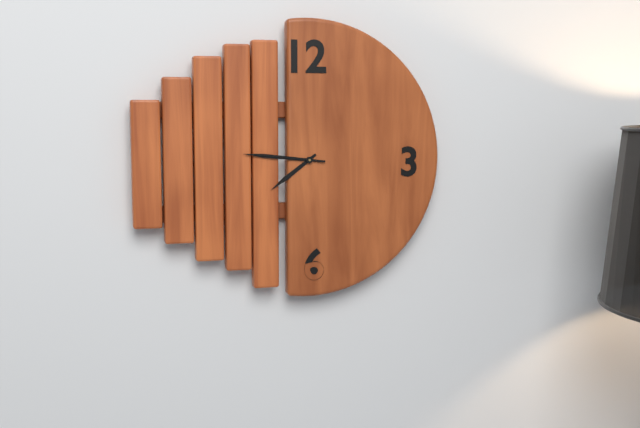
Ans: 7:46:46
